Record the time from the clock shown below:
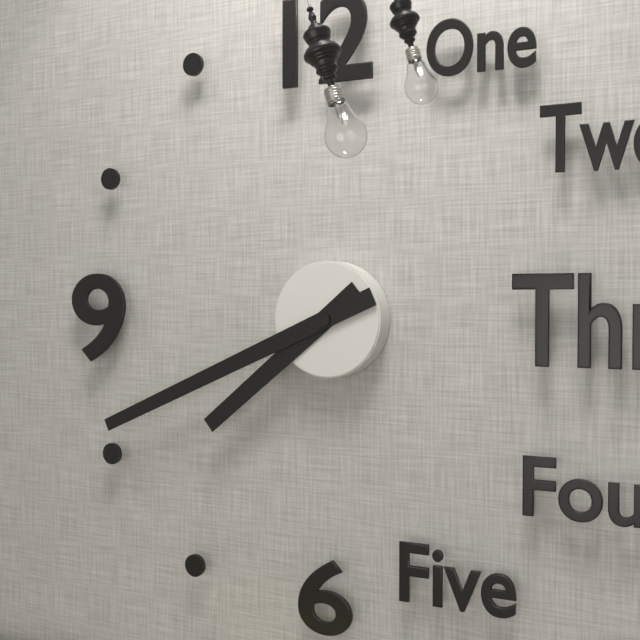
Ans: 7:41
